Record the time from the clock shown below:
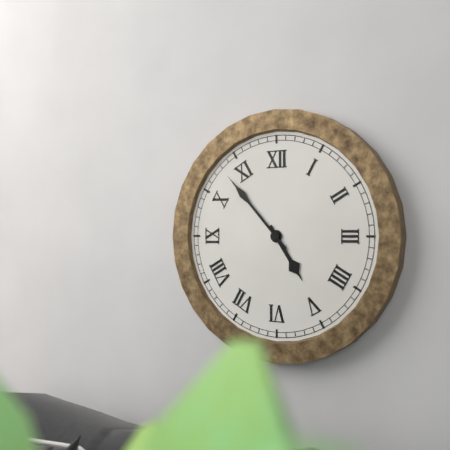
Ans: 4:53
